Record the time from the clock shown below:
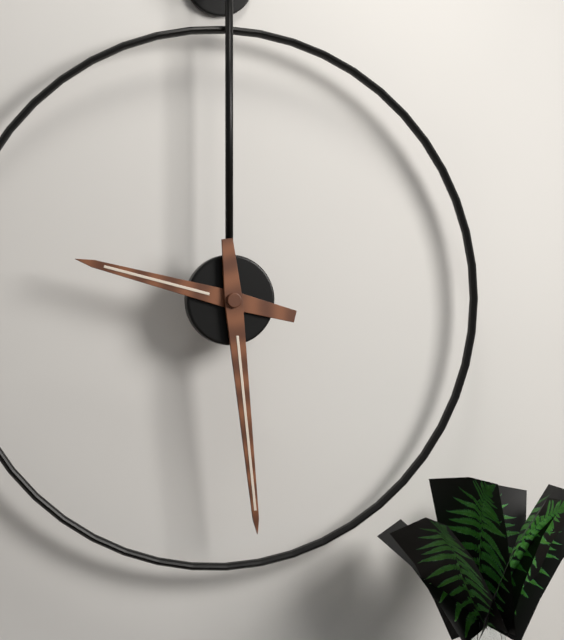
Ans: 9:29
